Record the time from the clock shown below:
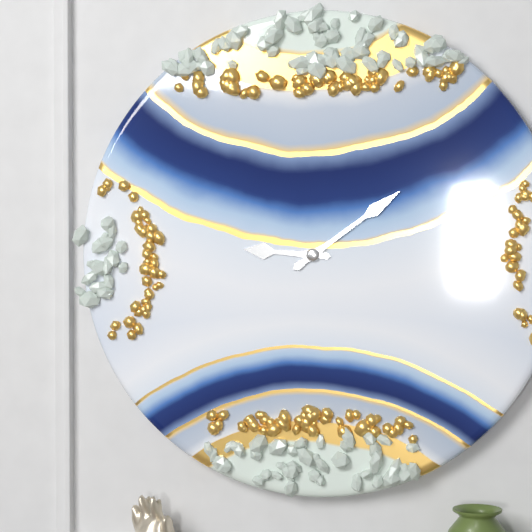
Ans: 9:09
